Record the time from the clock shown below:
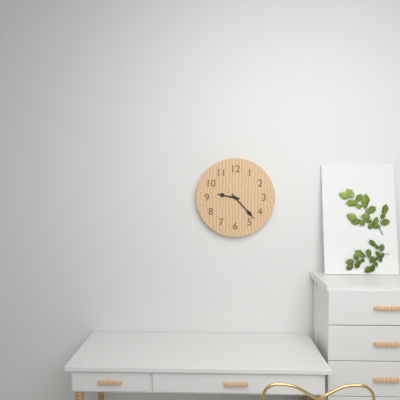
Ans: 9:23
